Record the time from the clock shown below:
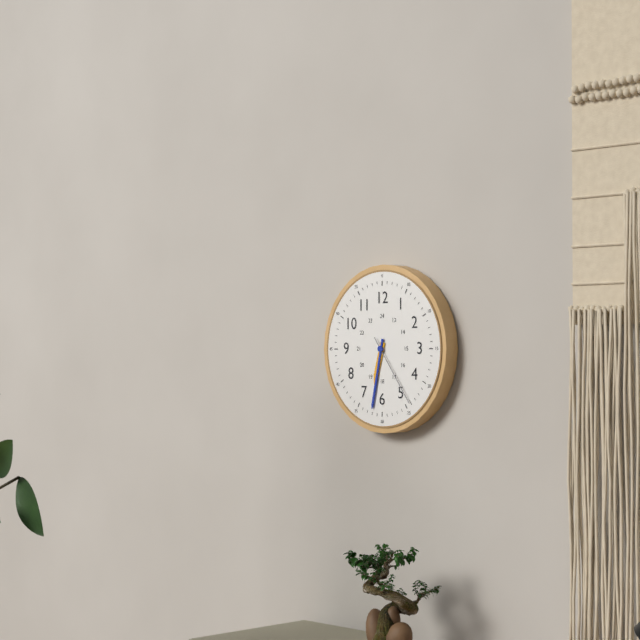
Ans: 6:32:24
